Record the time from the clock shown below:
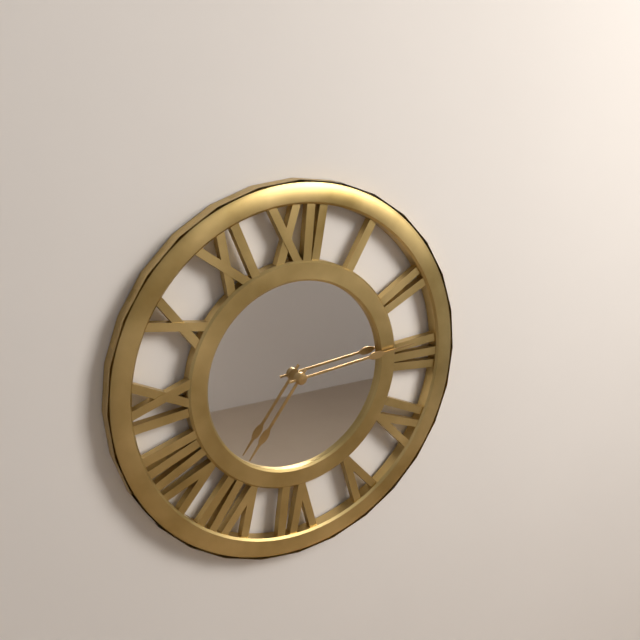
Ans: 7:14
